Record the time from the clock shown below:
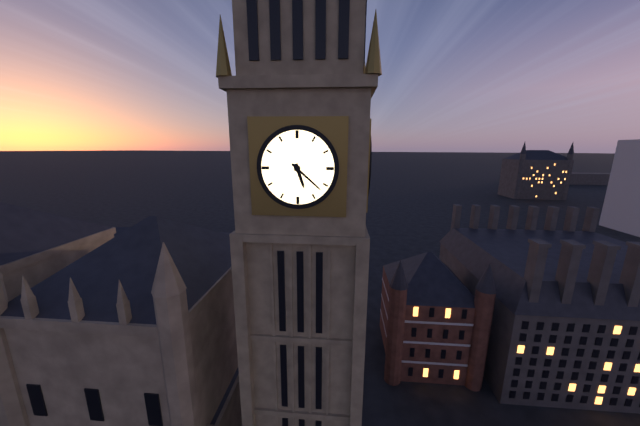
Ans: 5:22
